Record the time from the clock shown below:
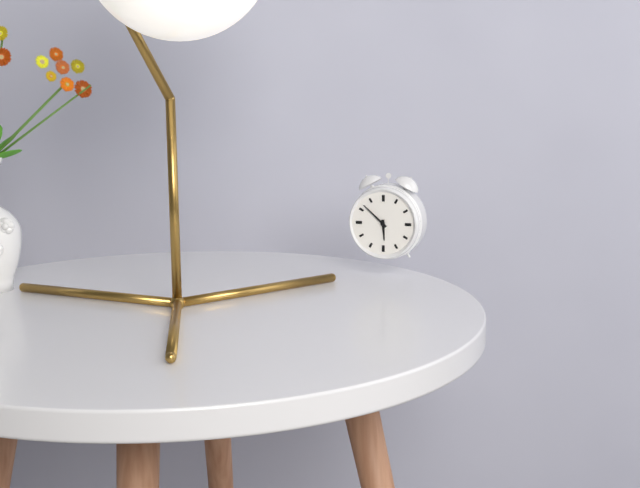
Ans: 5:52
